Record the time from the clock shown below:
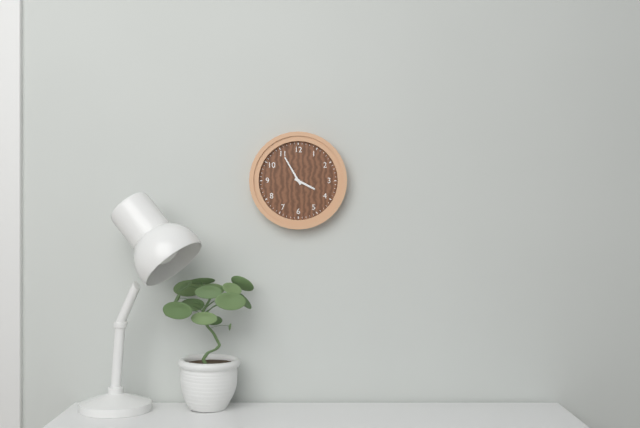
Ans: 3:55
